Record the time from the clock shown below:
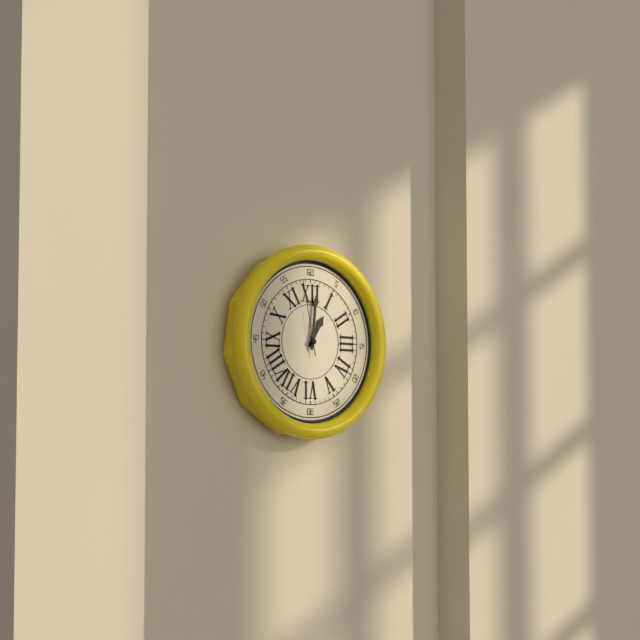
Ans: 1:01:58
